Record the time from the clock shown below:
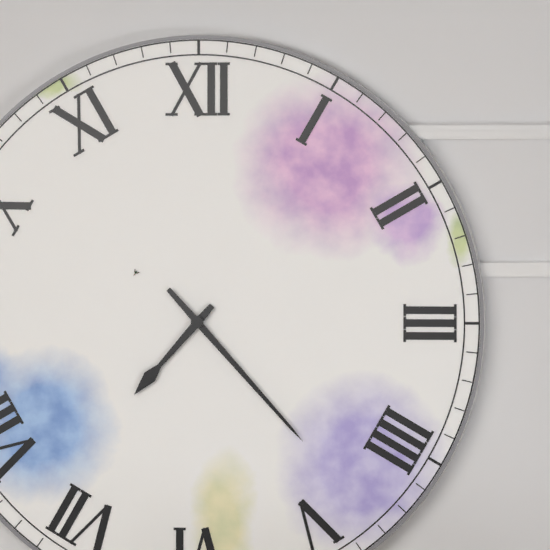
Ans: 7:23
